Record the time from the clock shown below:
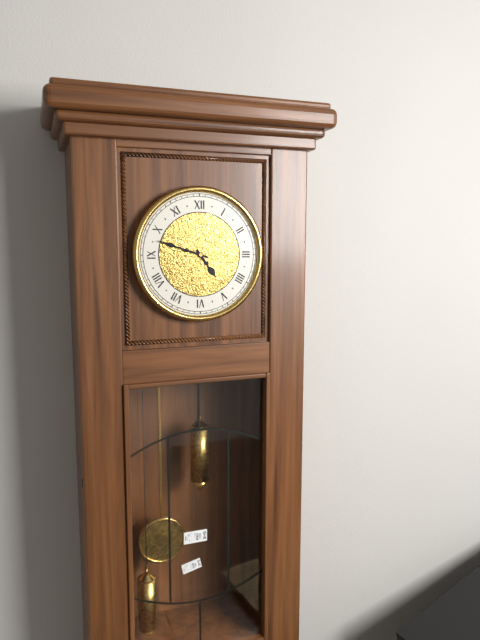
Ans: 4:48
